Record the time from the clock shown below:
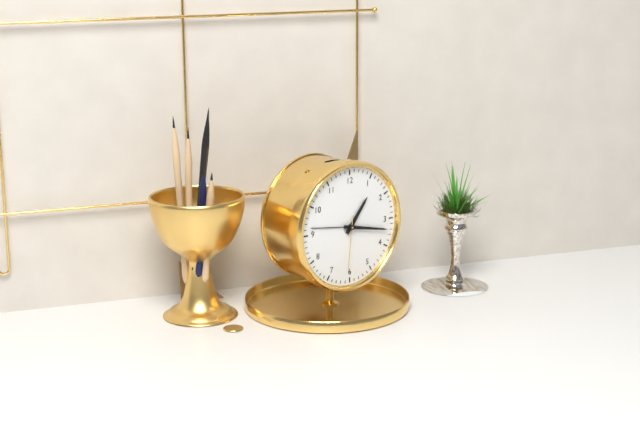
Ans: 1:17:31
